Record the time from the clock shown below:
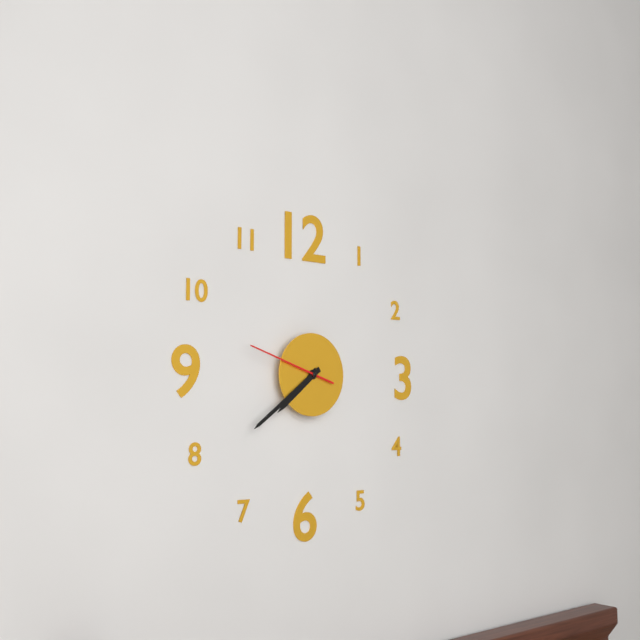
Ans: 7:39:48
